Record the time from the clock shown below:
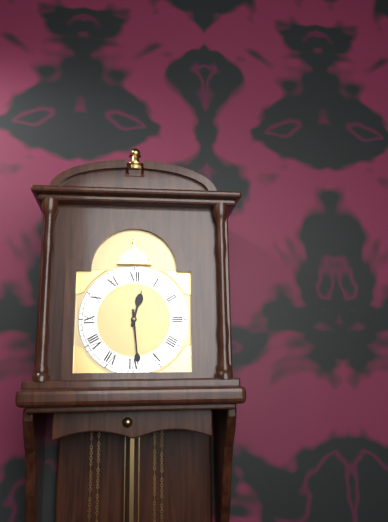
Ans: 12:29
